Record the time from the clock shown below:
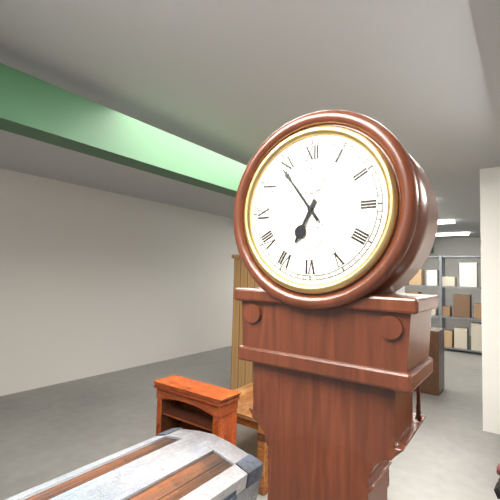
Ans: 6:54
